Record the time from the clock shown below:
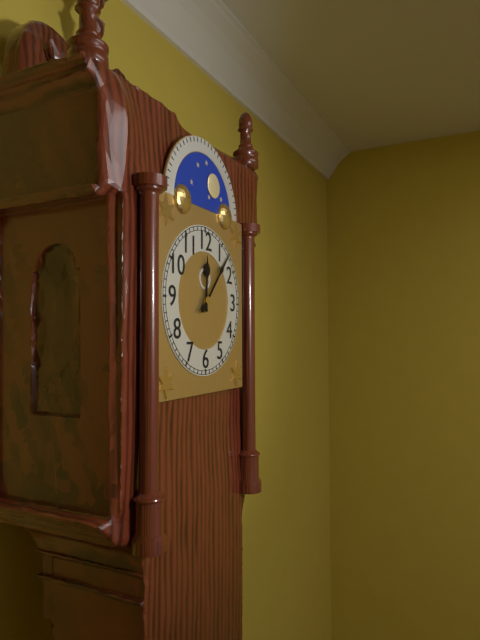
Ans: 12:07
